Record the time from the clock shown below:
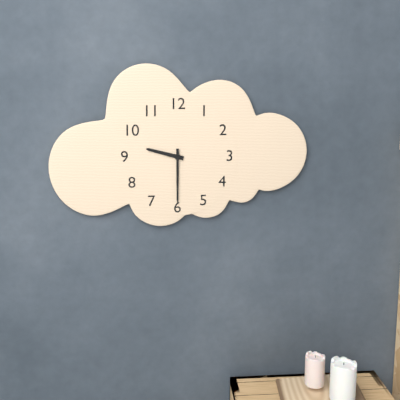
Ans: 9:30
